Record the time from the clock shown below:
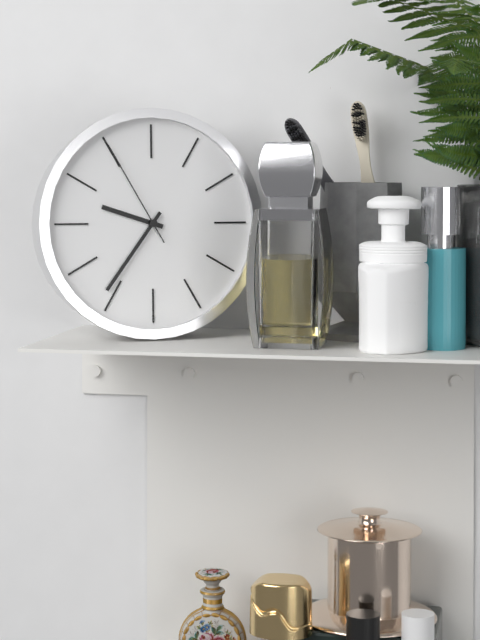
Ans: 9:36:55
